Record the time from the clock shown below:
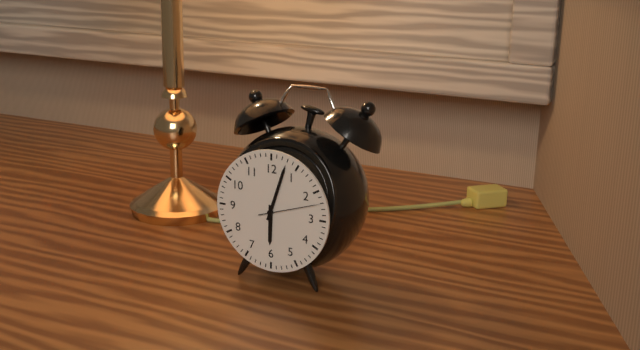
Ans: 6:03:12
